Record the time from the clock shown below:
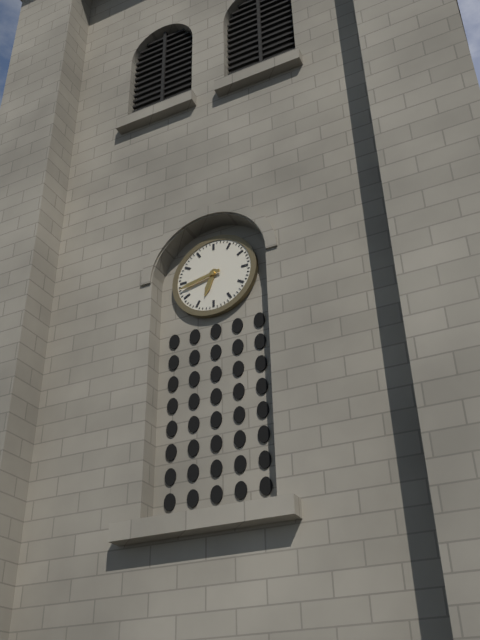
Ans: 6:43
